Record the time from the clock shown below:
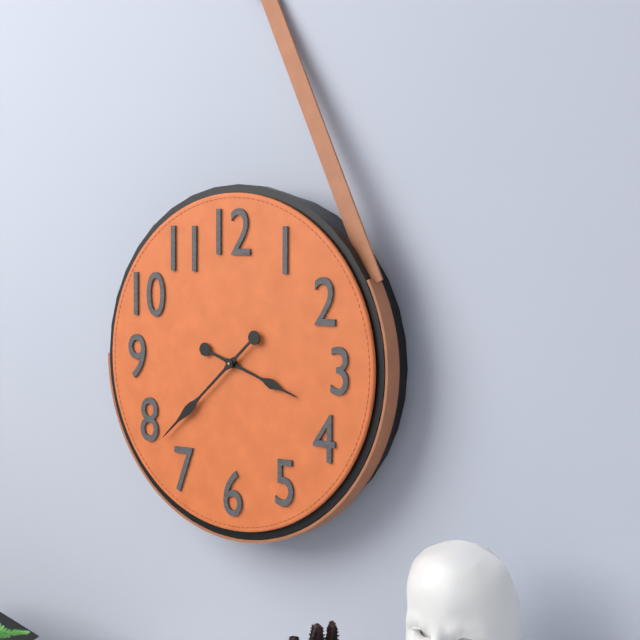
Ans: 3:38
